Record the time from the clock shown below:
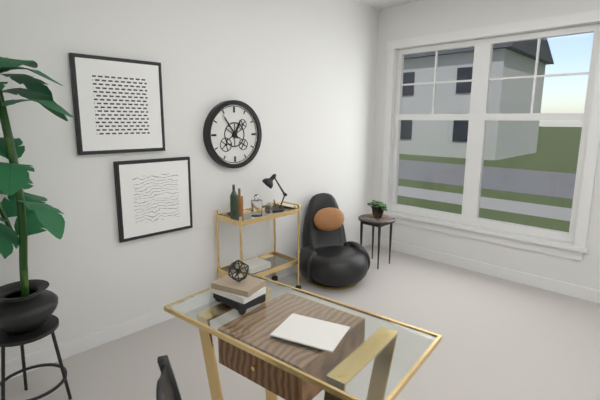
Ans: 12:54
